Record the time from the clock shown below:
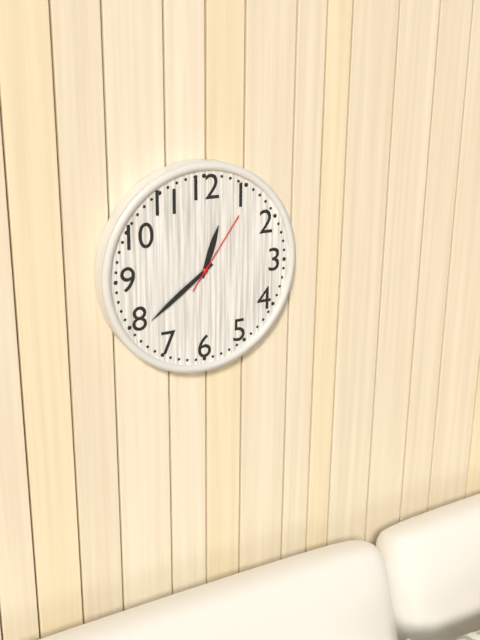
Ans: 12:39:06
